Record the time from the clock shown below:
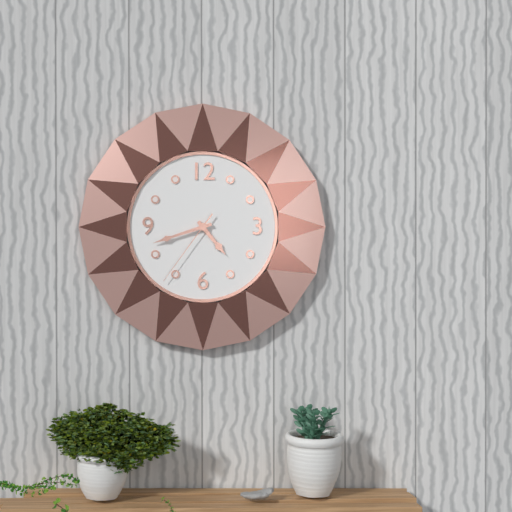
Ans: 4:42:36
